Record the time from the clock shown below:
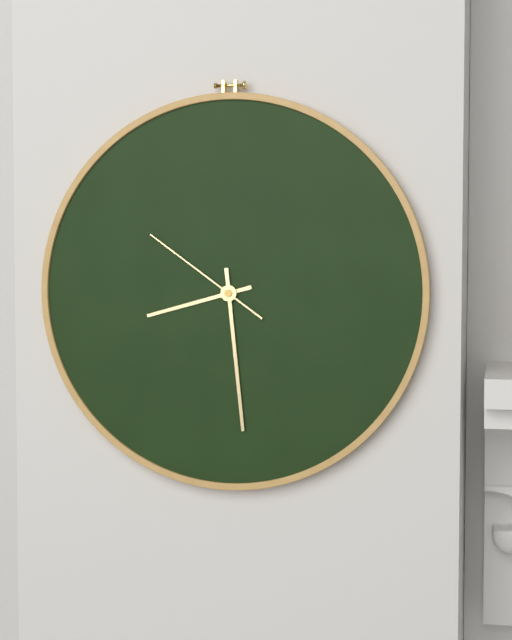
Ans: 8:29:51
